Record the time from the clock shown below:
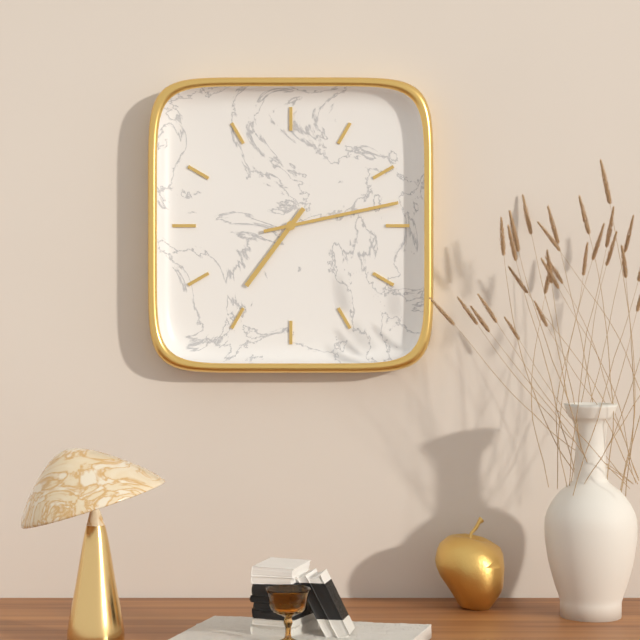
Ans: 7:13
